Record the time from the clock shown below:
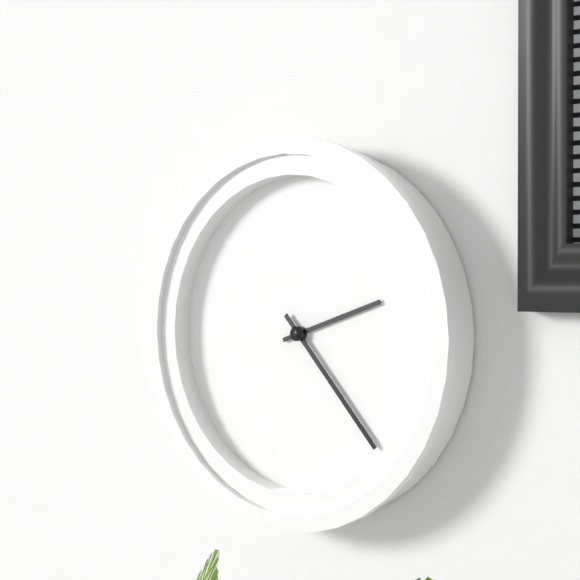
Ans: 2:23
